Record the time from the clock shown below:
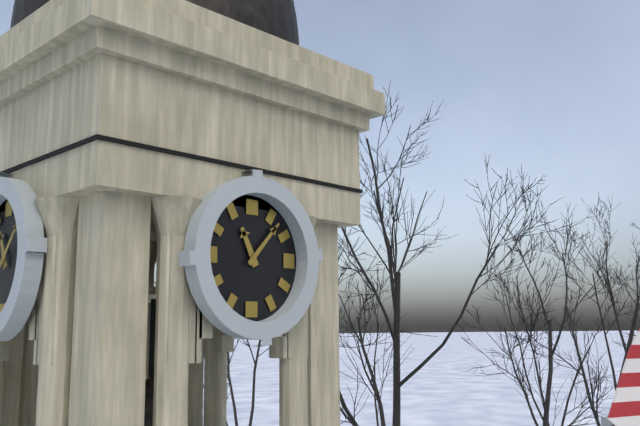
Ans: 11:07
